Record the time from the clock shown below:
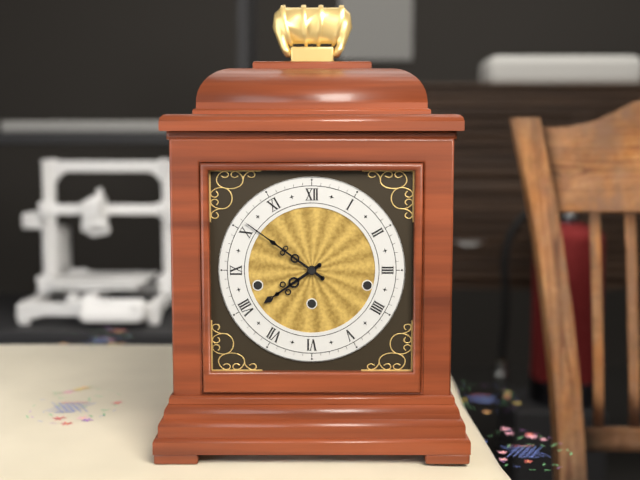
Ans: 7:51
